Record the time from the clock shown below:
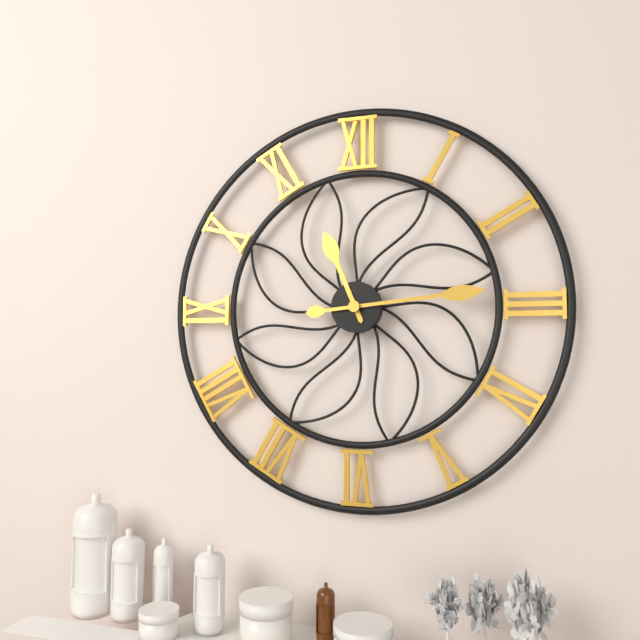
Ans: 11:14
